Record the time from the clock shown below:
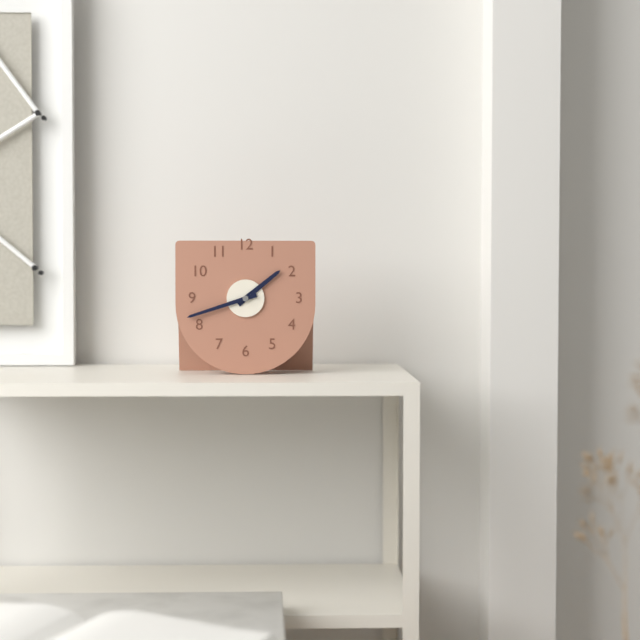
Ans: 1:42
